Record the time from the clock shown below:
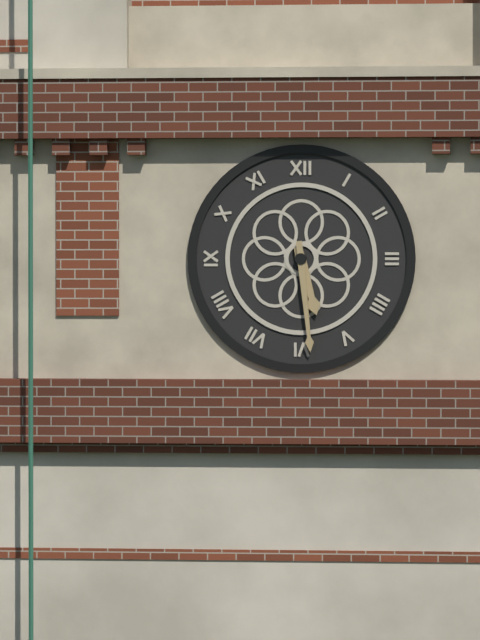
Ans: 5:29
